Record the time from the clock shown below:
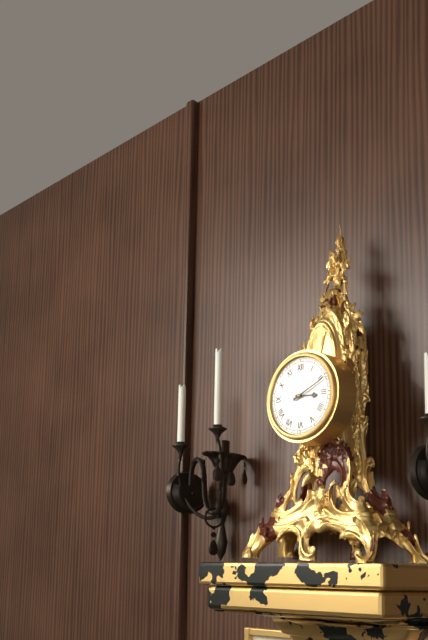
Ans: 3:11
